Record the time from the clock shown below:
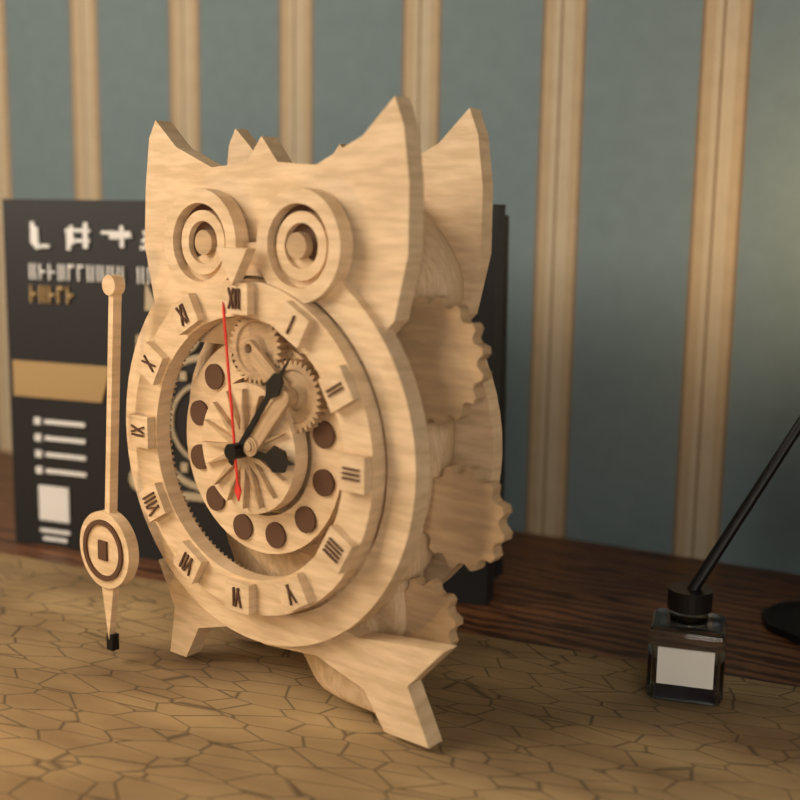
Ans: 3:06:59
